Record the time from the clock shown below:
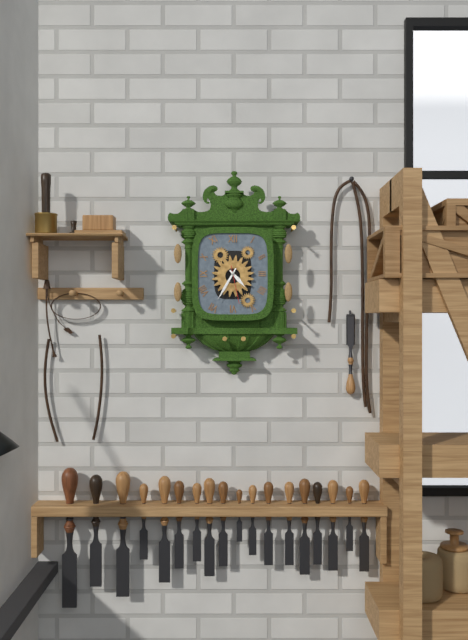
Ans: 4:35
